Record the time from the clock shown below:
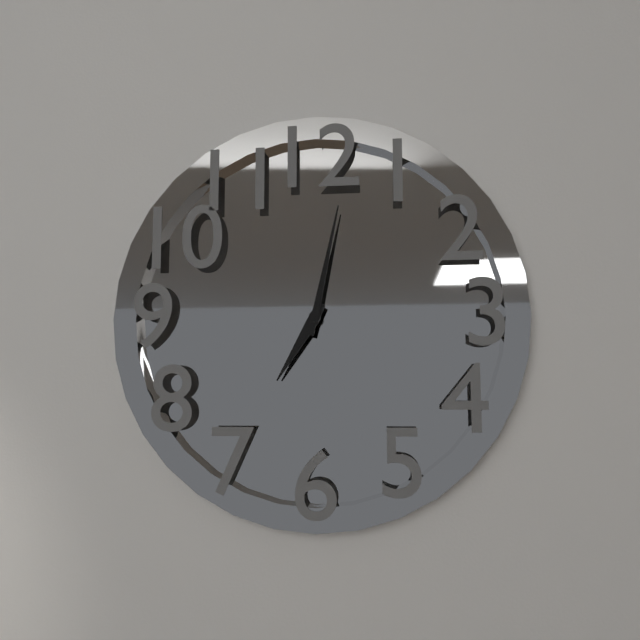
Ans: 7:02
